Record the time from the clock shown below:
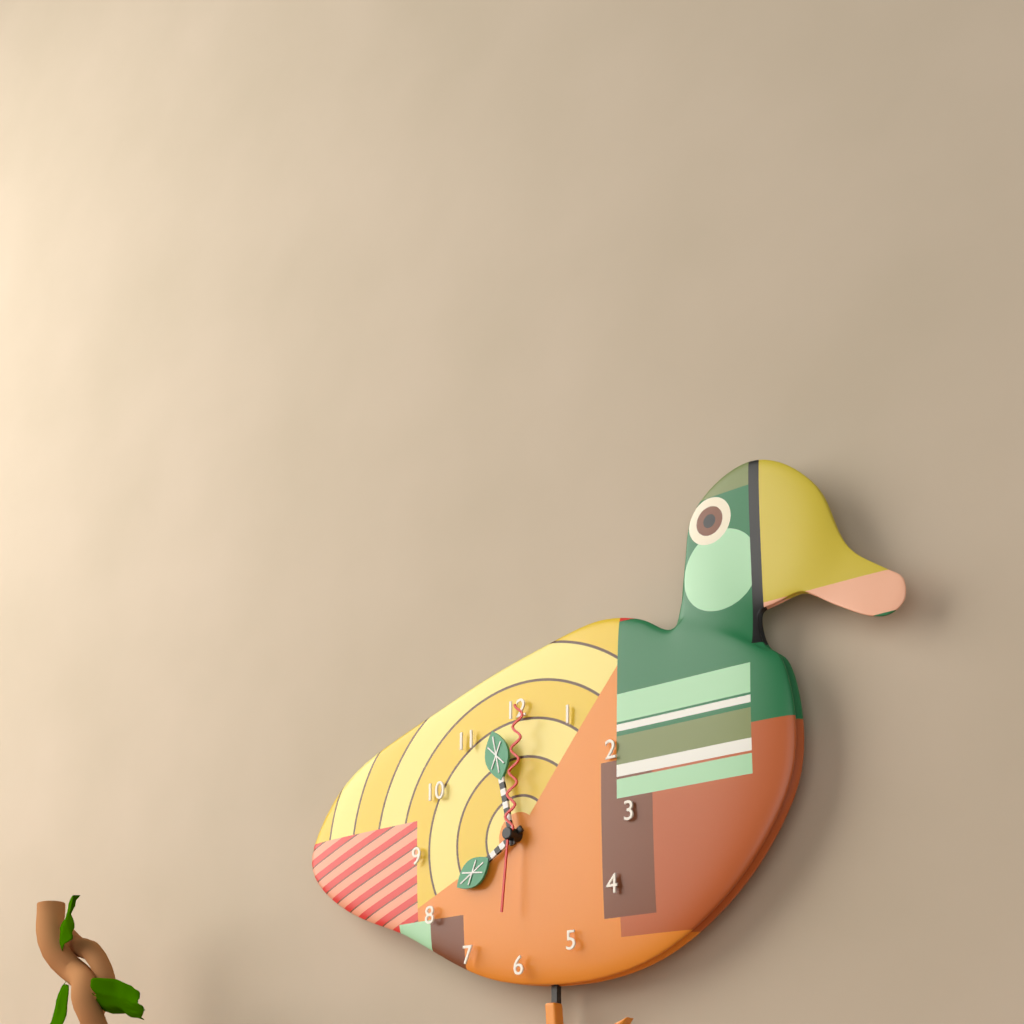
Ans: 7:58:01
